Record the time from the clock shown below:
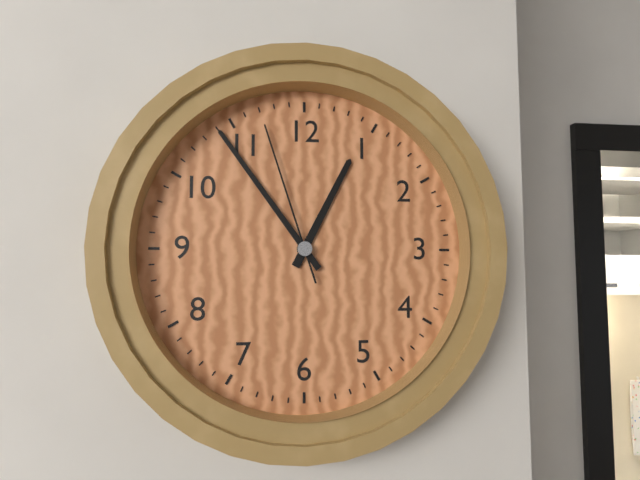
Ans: 12:54:57
